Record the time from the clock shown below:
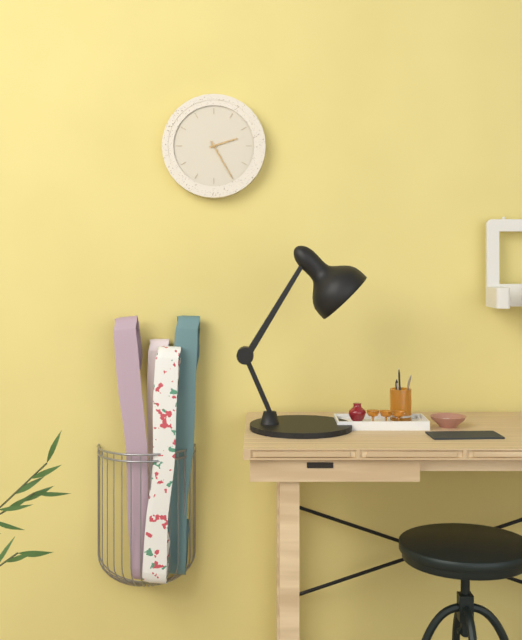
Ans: 2:25
